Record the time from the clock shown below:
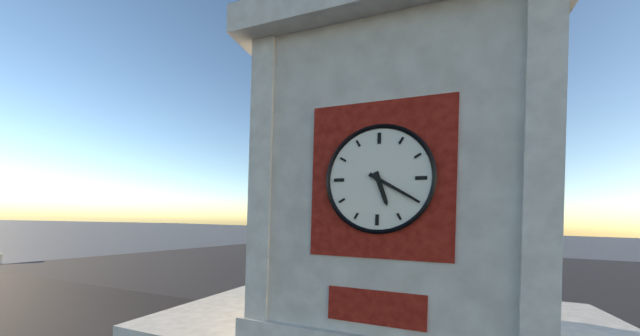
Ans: 5:20
